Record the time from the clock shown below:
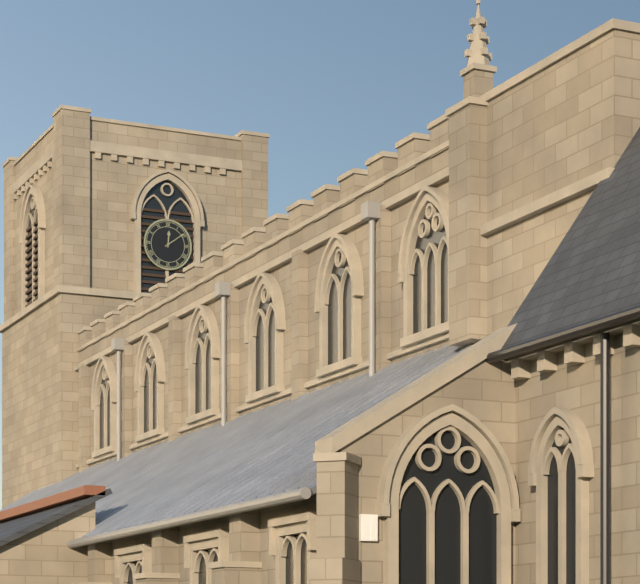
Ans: 12:09
